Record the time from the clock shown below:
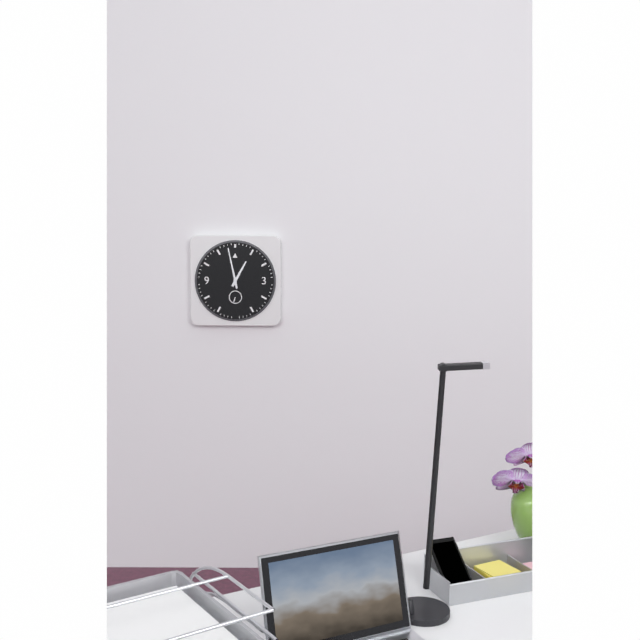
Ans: 12:58
